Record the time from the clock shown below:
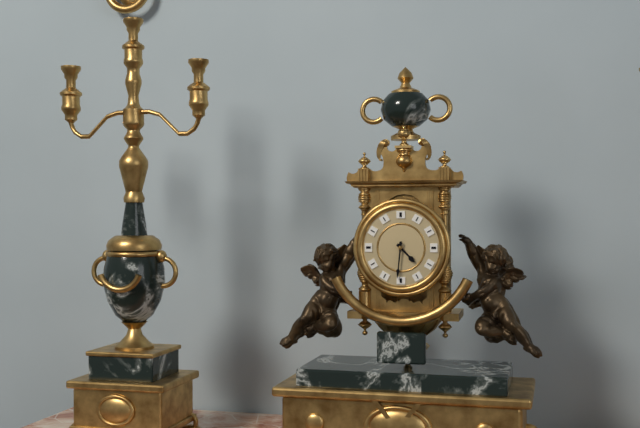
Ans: 4:31
